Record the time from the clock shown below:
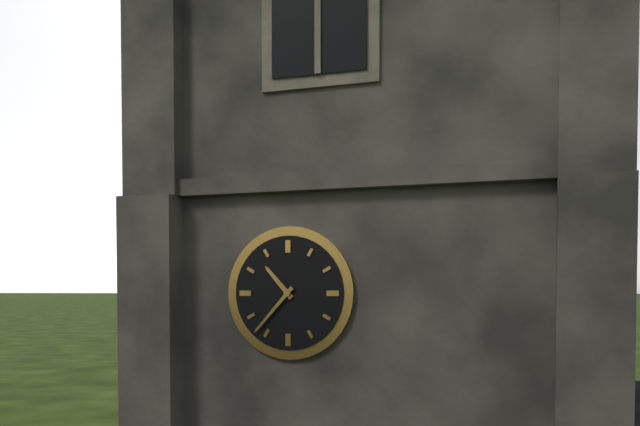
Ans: 10:37
